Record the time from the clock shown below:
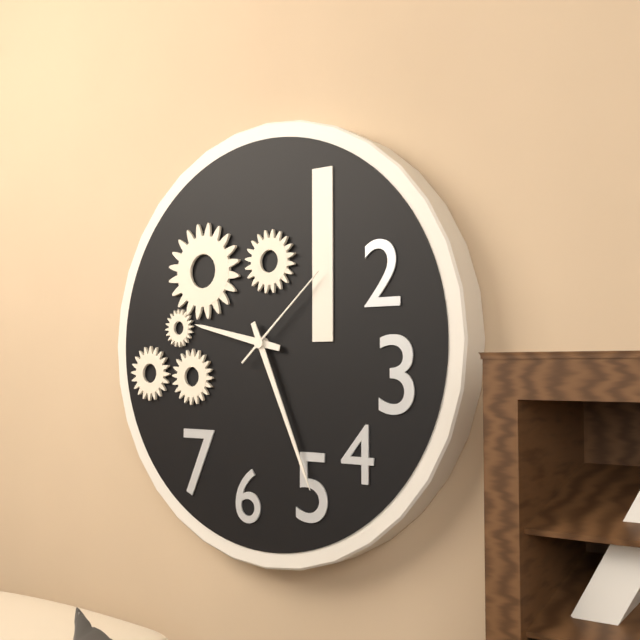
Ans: 9:26:08
